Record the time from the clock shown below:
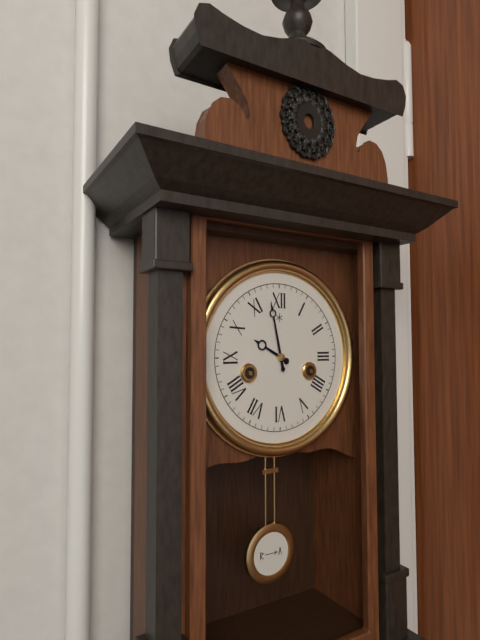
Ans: 9:58
